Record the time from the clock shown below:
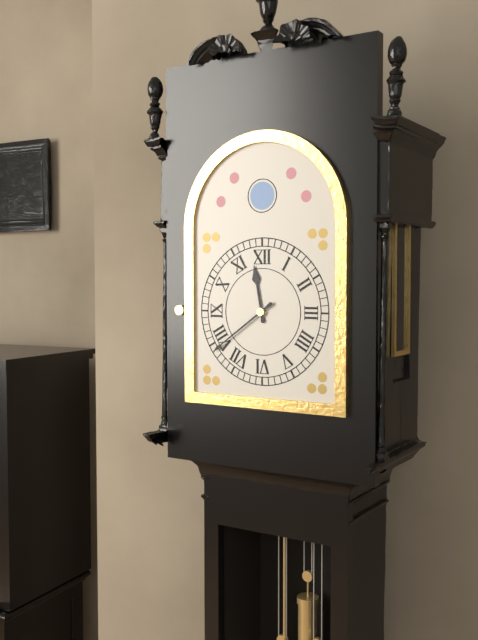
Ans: 11:39
